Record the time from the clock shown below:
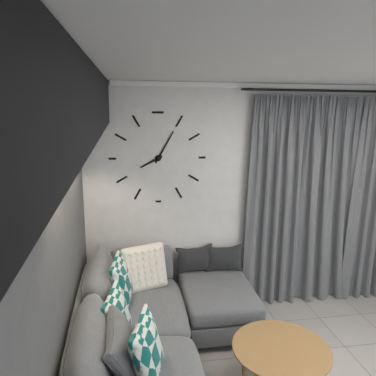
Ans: 8:05
